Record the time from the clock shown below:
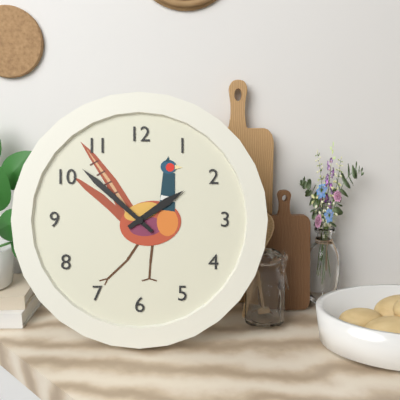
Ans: 1:52
